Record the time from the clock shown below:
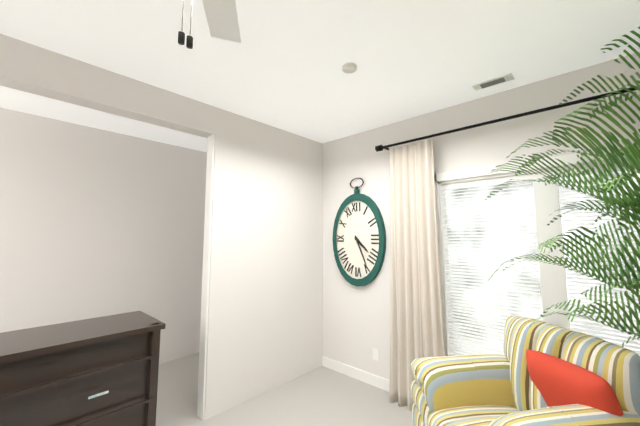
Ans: 4:26
